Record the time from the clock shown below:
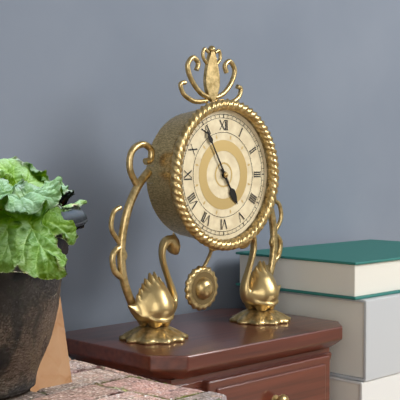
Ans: 4:55
